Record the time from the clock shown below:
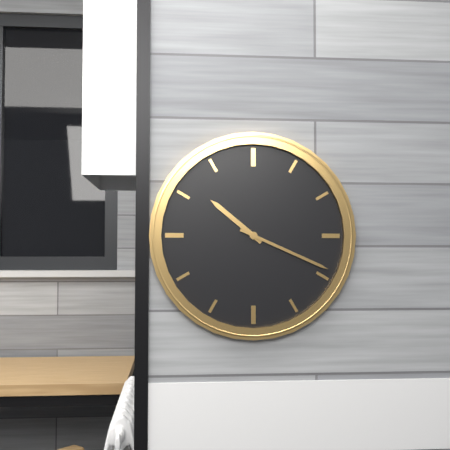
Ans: 10:19
